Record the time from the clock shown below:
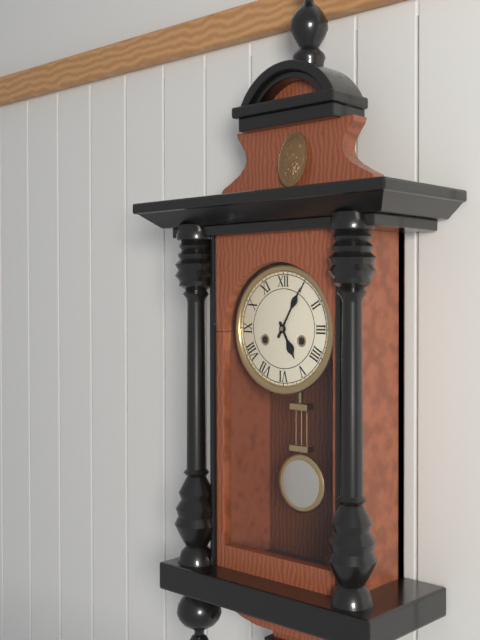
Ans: 5:05
